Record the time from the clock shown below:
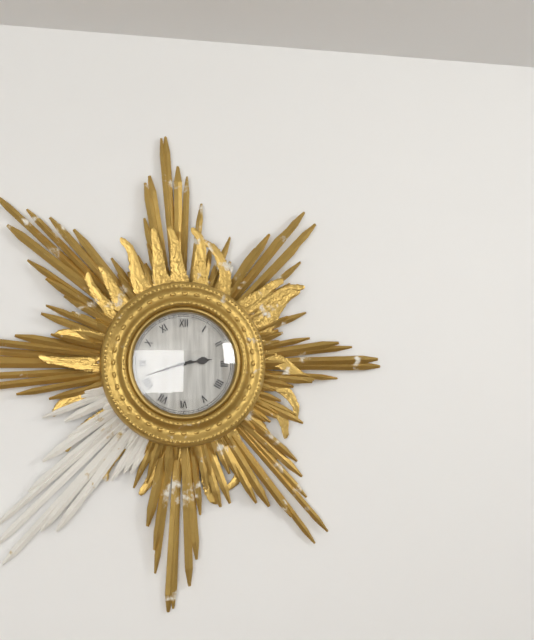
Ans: 2:42
